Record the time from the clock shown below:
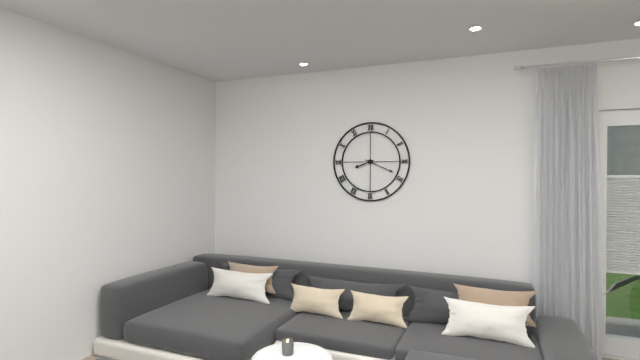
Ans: 8:19
